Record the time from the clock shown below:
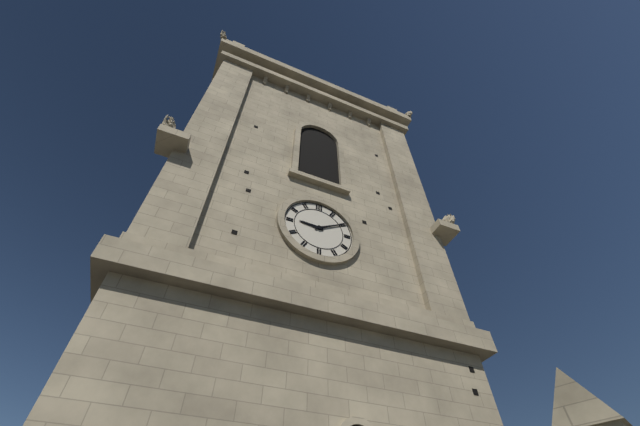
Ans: 9:10
